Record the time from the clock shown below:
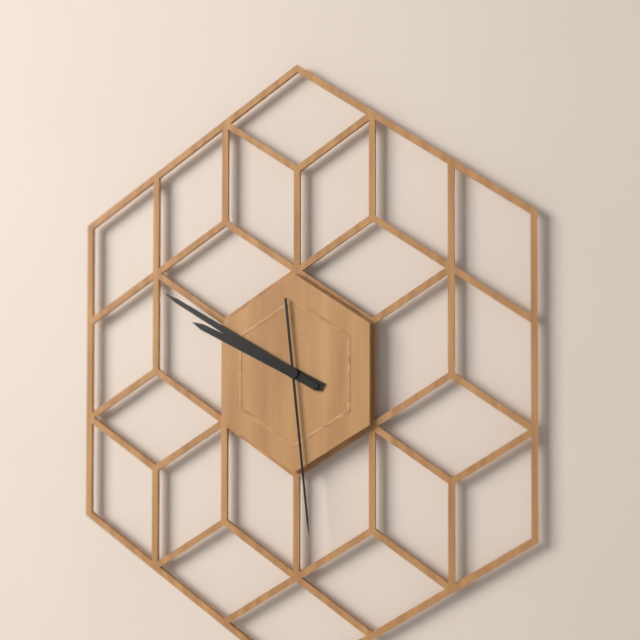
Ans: 9:50:29
